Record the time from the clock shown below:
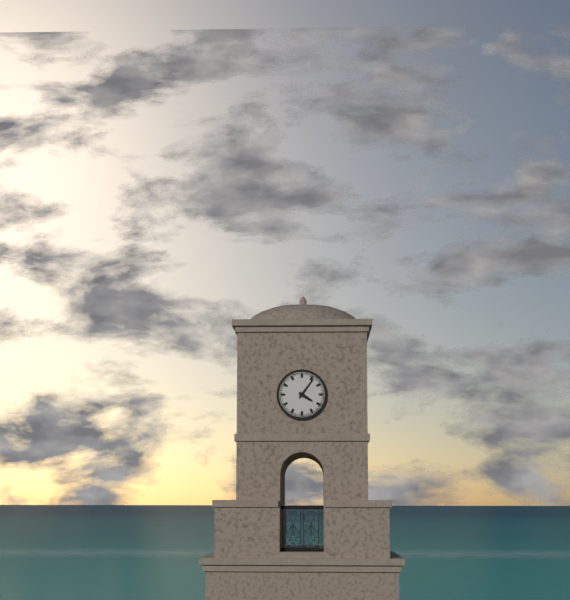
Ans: 4:06
